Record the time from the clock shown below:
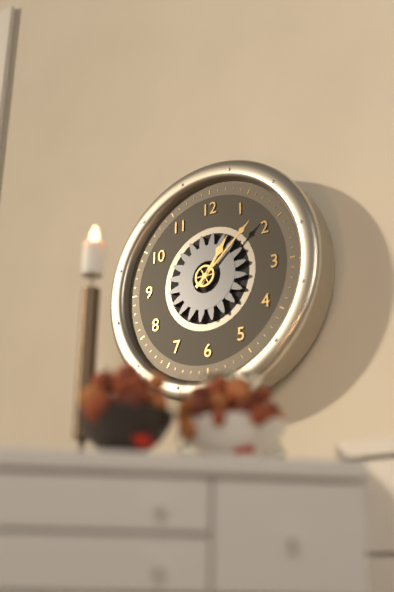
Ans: 1:08
